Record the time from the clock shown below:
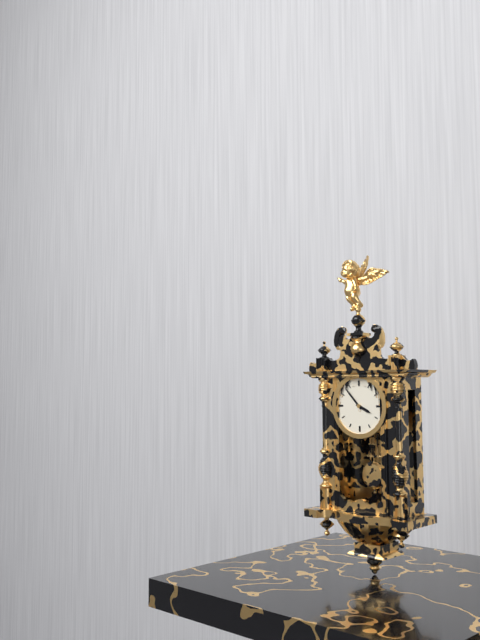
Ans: 3:53
